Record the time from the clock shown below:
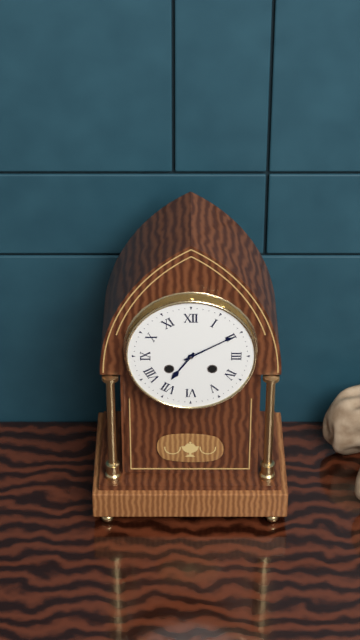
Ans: 7:10
